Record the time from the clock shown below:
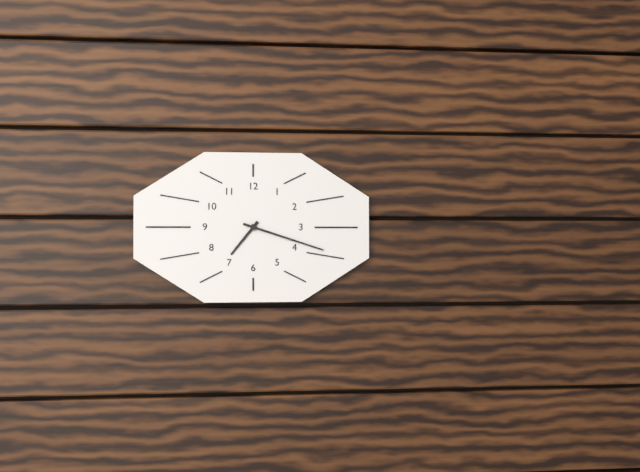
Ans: 7:18
